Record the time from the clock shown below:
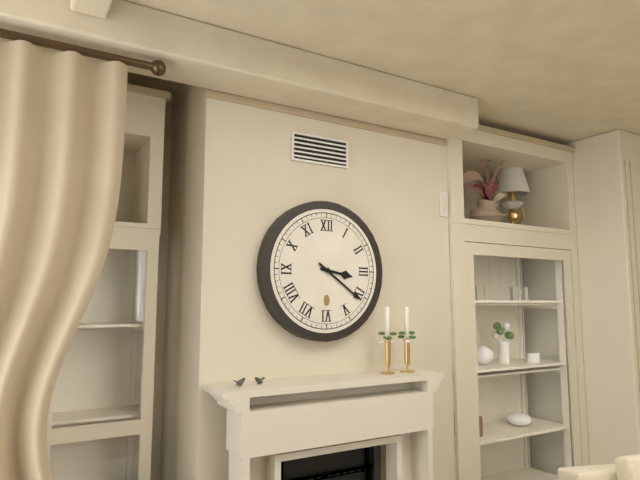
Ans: 3:21
